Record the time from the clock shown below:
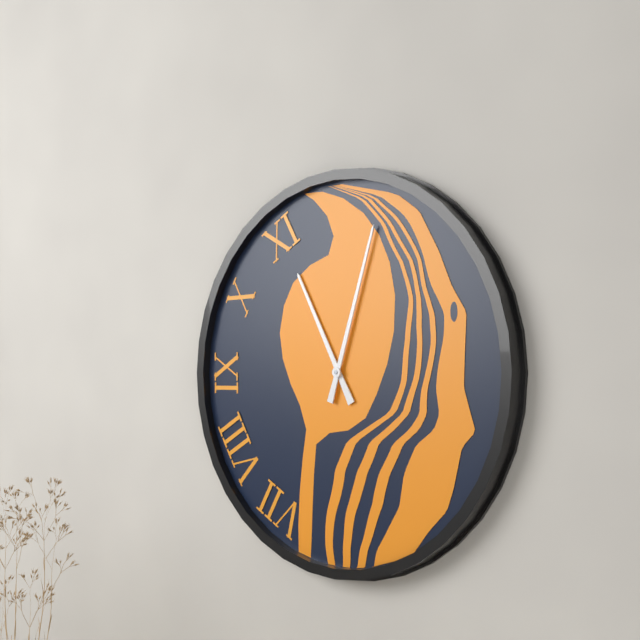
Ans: 11:03
